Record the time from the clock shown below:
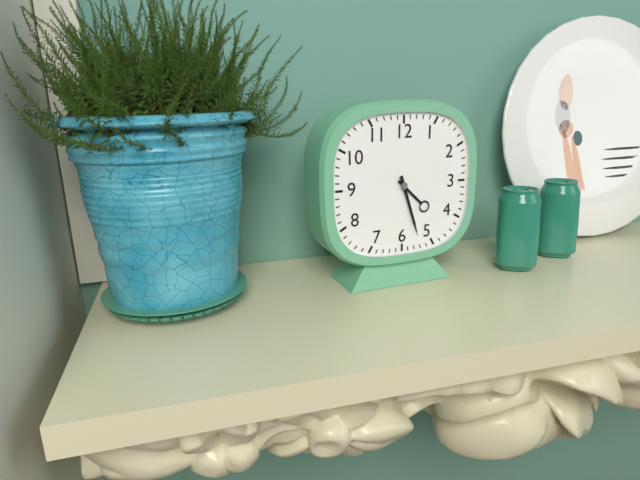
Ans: 4:27
